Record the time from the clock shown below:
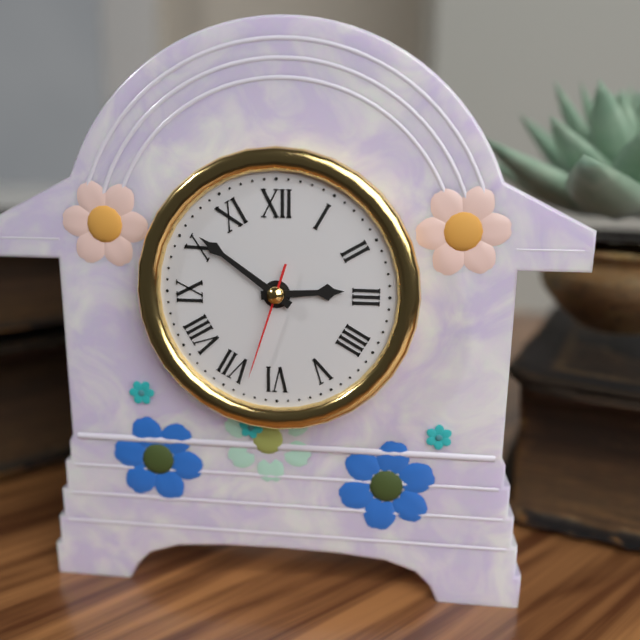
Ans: 2:51:33
